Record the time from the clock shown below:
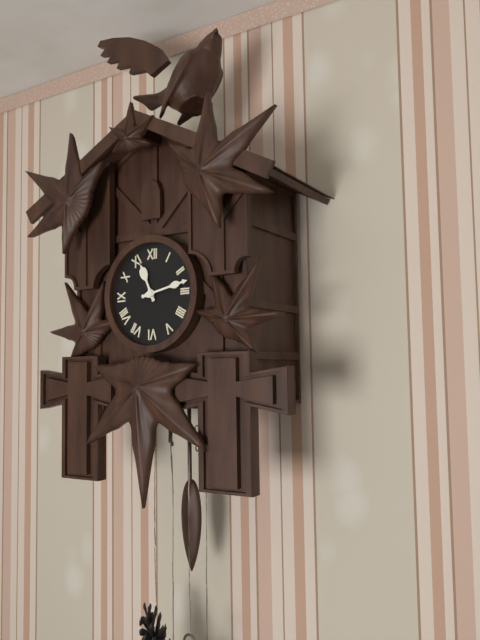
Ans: 11:13
